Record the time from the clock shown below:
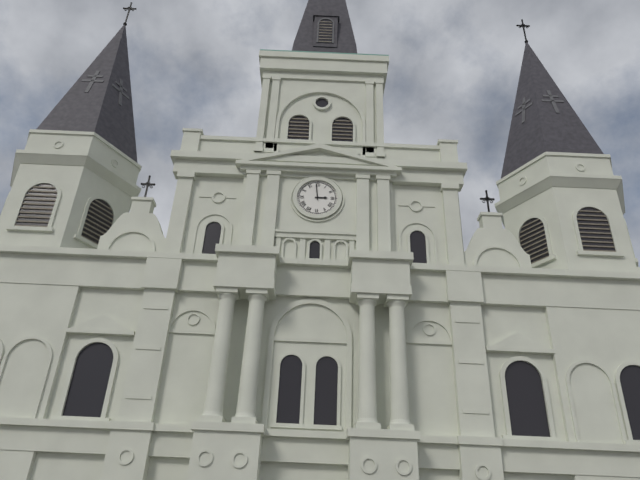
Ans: 2:59
